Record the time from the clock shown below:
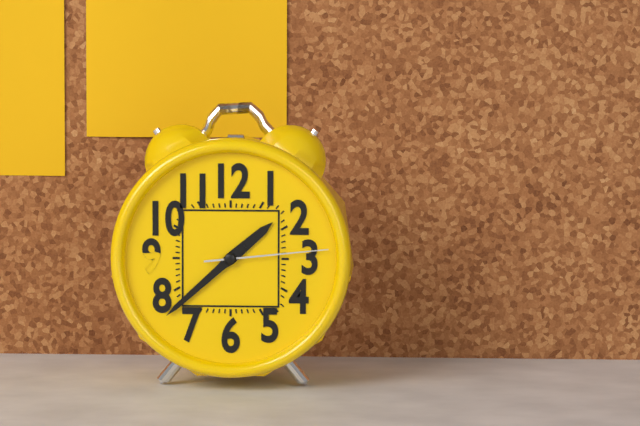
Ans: 1:38:14
